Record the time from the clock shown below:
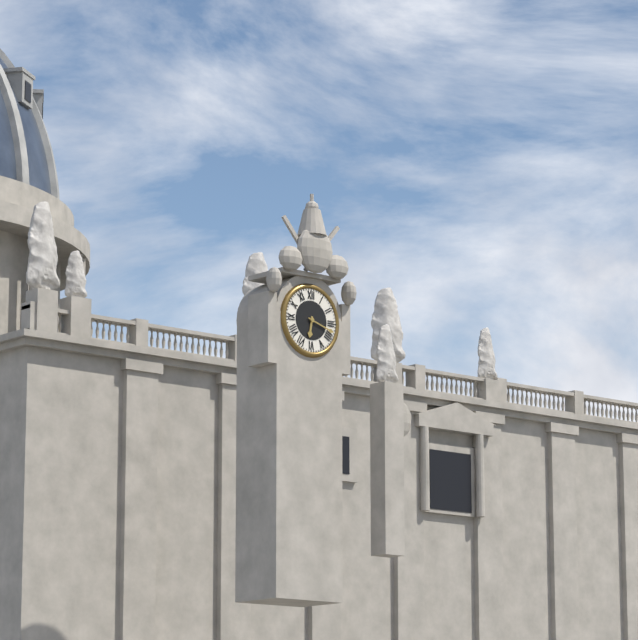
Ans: 6:18
